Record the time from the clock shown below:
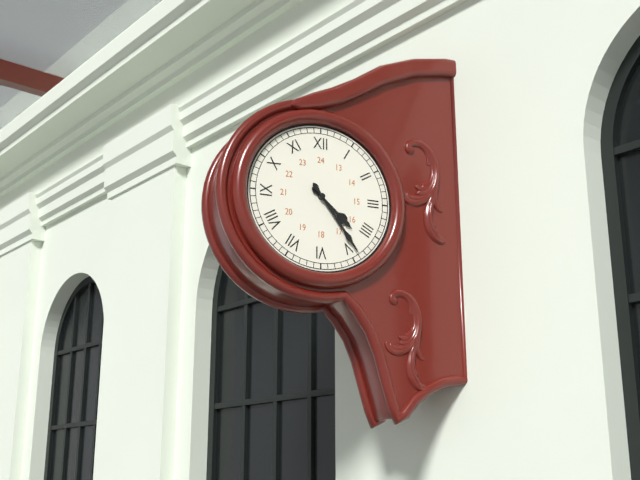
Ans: 4:24
